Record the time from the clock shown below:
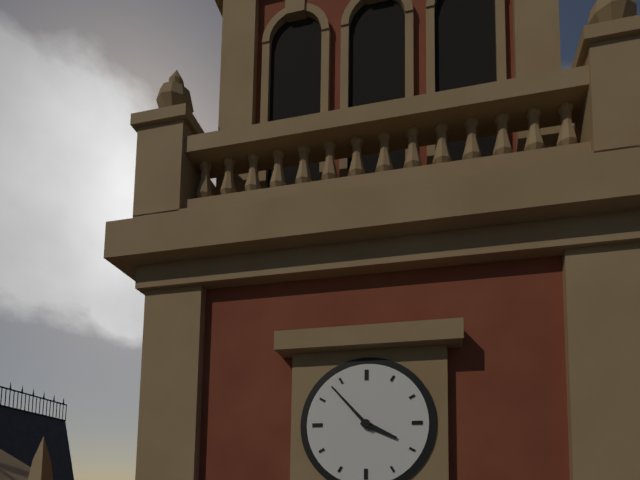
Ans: 3:53
